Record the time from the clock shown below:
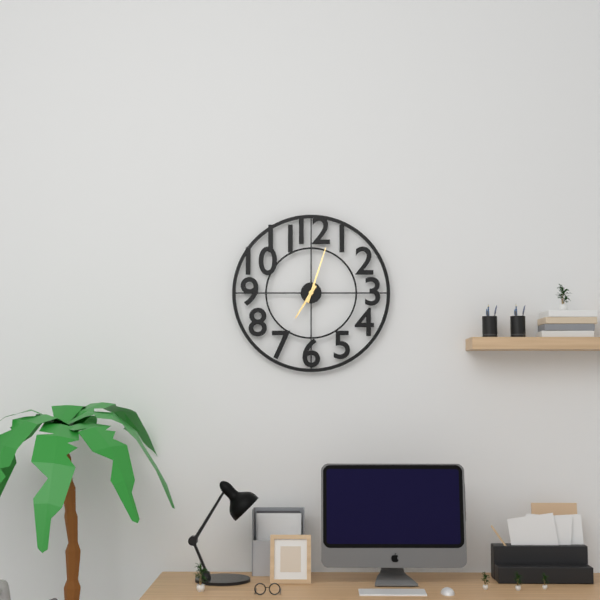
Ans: 7:03
